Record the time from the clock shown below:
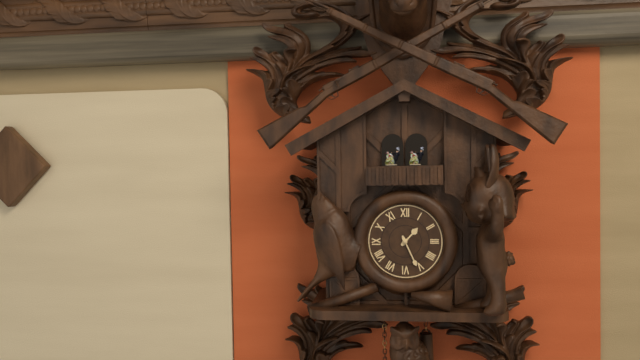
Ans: 1:26
